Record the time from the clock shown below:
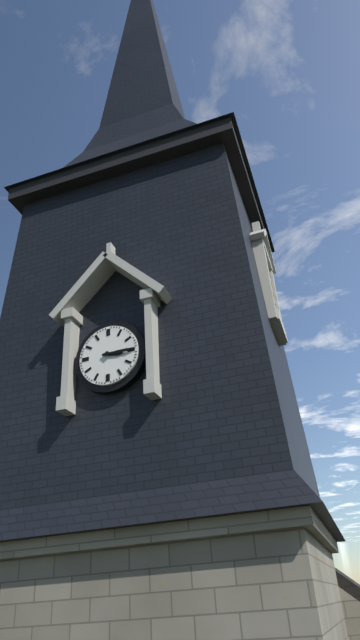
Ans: 3:15
